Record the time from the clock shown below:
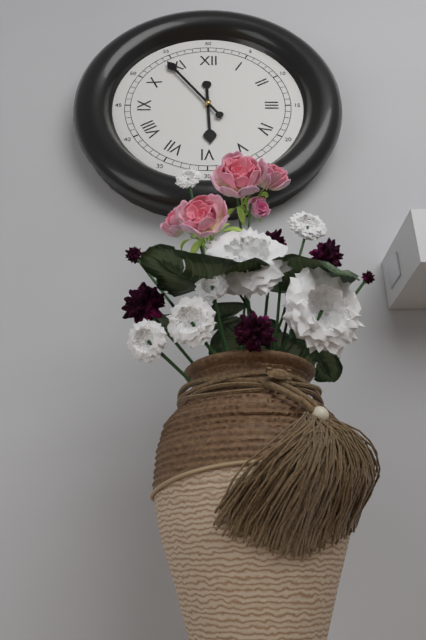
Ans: 5:54
